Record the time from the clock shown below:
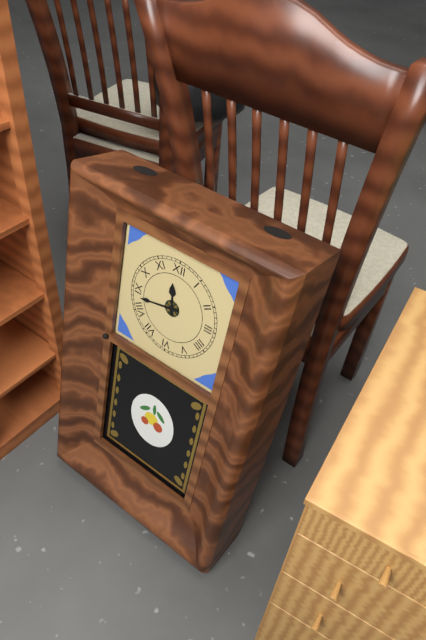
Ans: 11:43
